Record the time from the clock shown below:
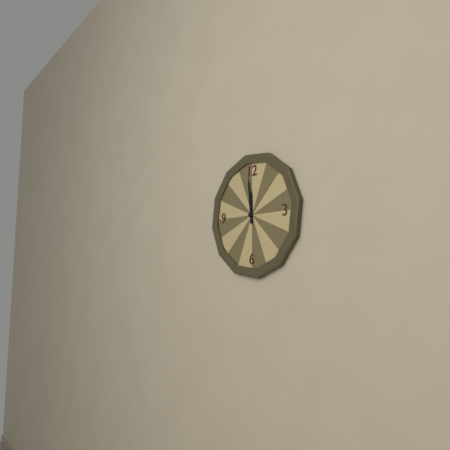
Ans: 11:59
